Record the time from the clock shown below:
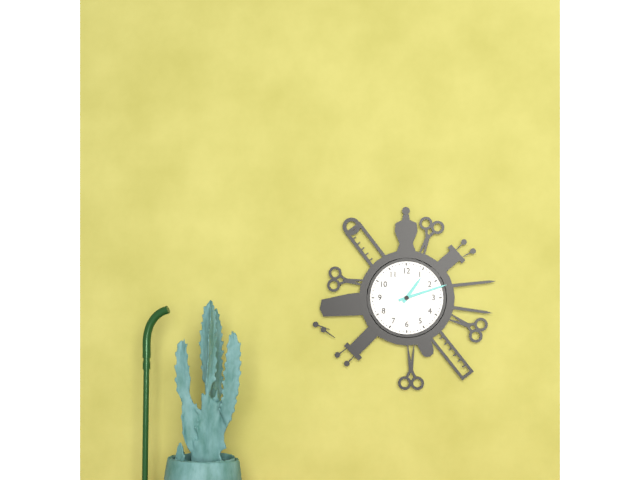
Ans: 1:12
